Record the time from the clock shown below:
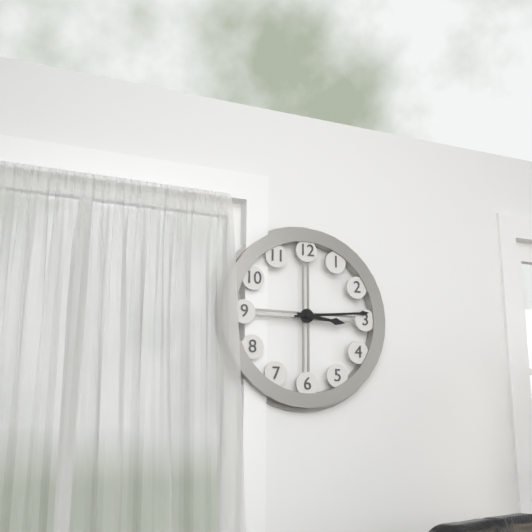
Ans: 3:14
